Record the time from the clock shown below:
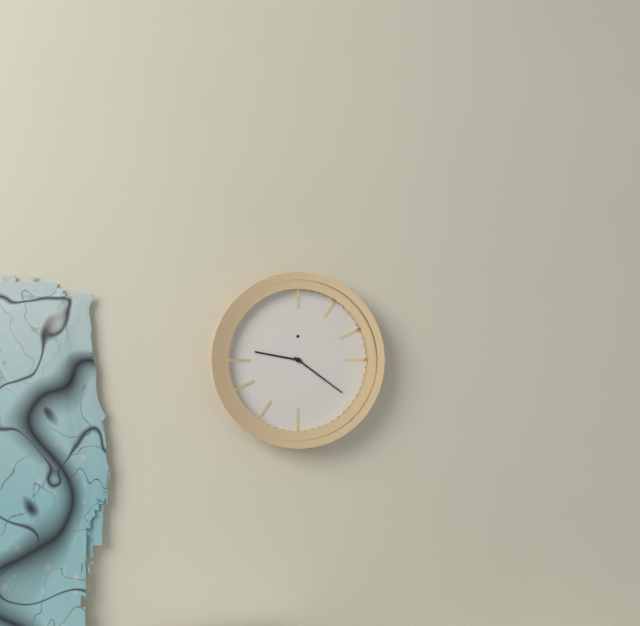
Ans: 9:21
